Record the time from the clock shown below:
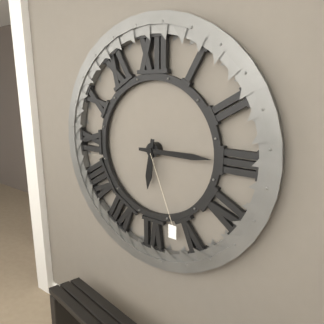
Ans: 6:15
